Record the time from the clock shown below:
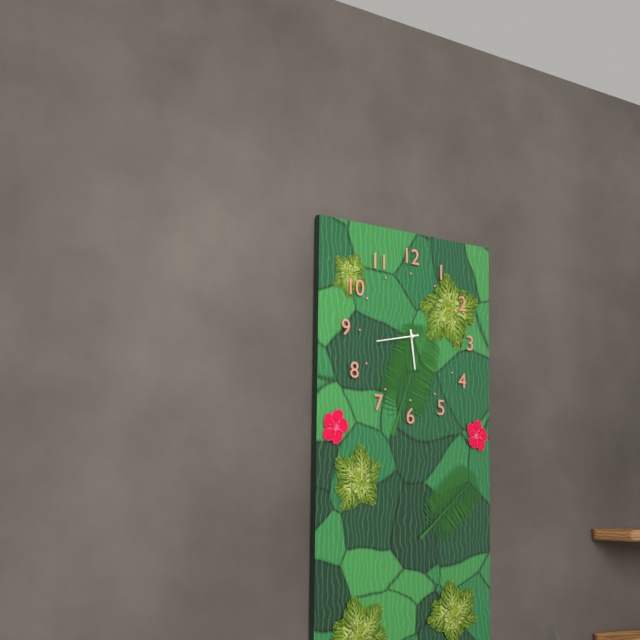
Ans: 5:43
